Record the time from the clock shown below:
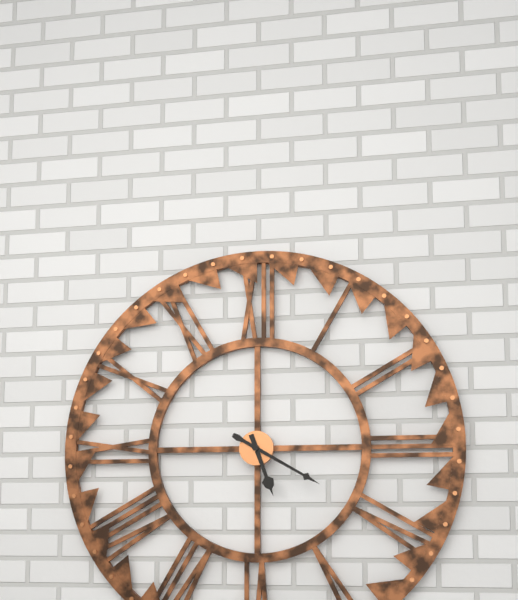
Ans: 5:20
